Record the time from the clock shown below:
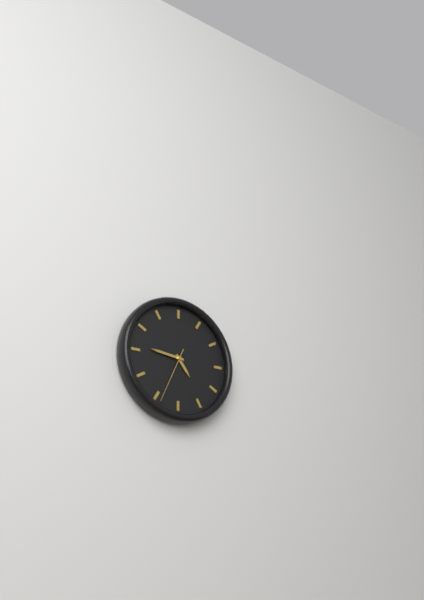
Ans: 4:46:34
